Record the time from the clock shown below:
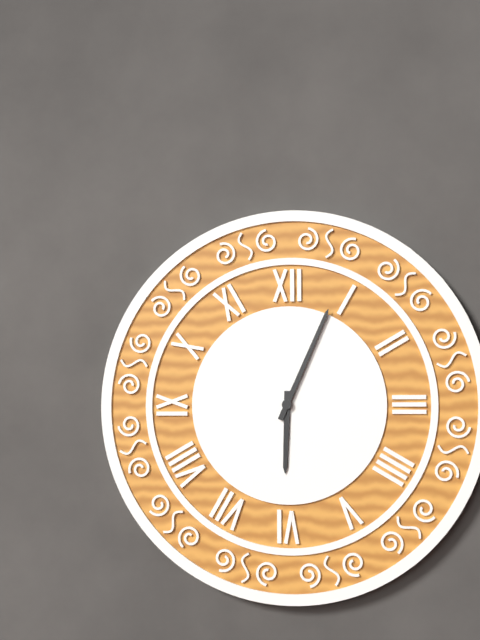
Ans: 6:04
